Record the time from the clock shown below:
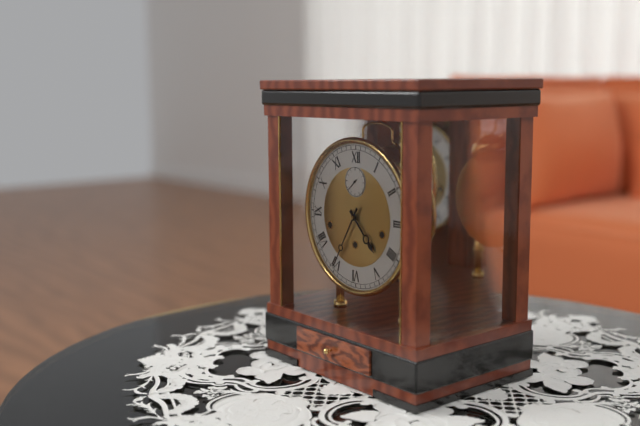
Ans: 4:35
